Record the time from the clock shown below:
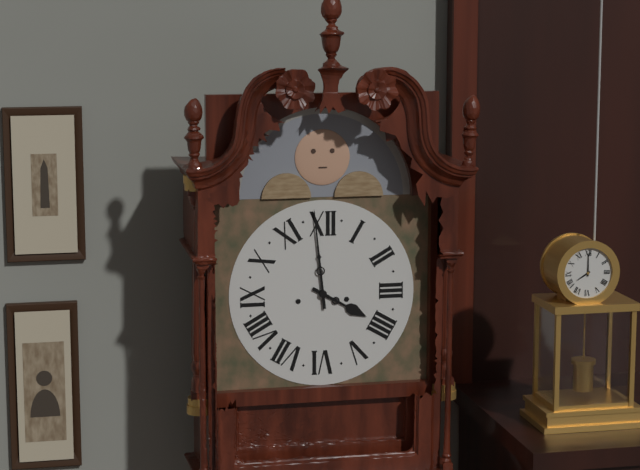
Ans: 3:59
